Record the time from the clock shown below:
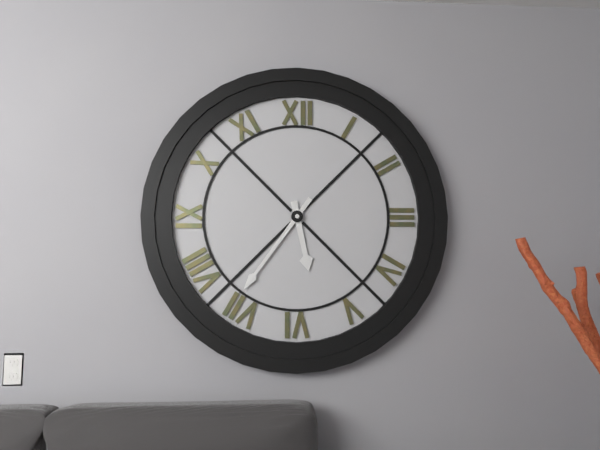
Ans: 5:36
